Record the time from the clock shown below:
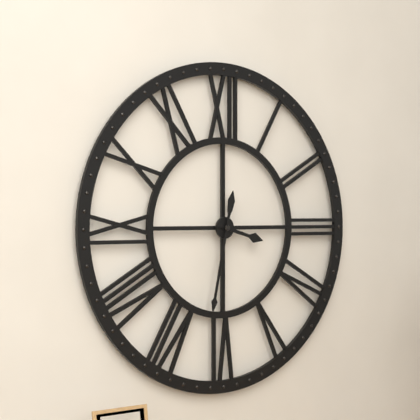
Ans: 3:32
